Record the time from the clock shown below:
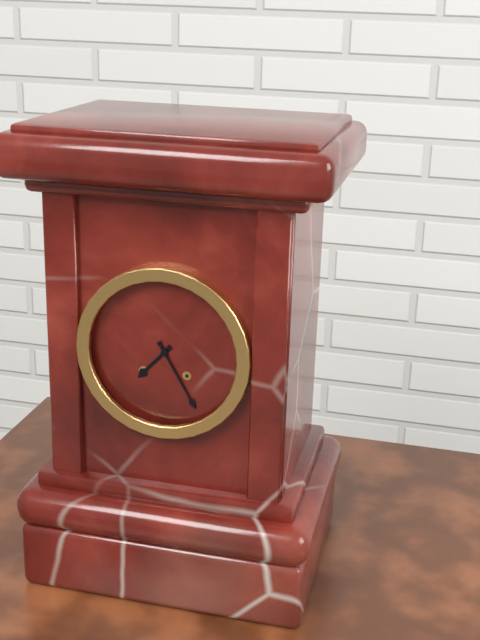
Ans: 7:25
